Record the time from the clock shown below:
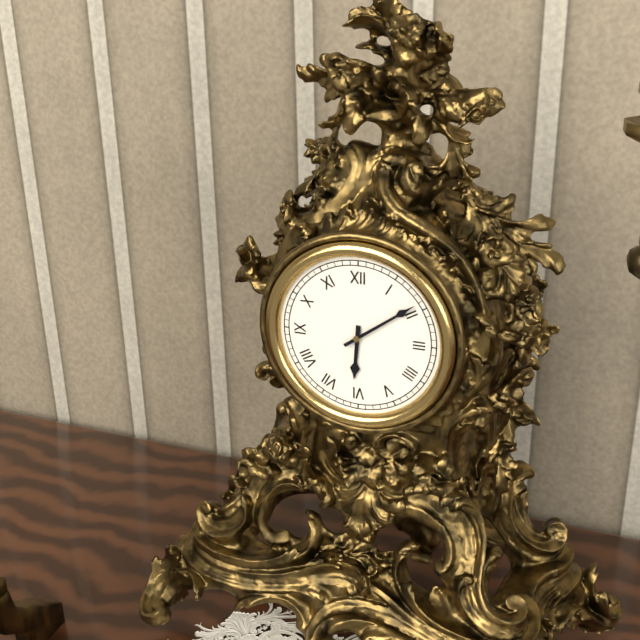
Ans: 6:09
